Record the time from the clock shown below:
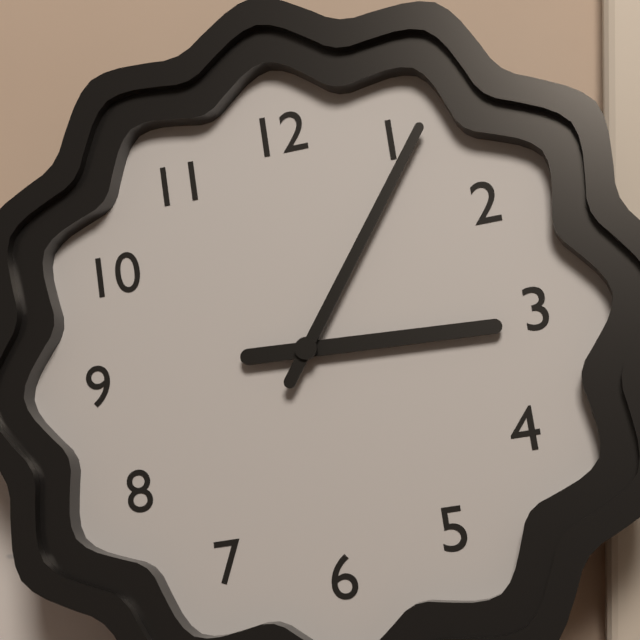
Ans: 3:06
